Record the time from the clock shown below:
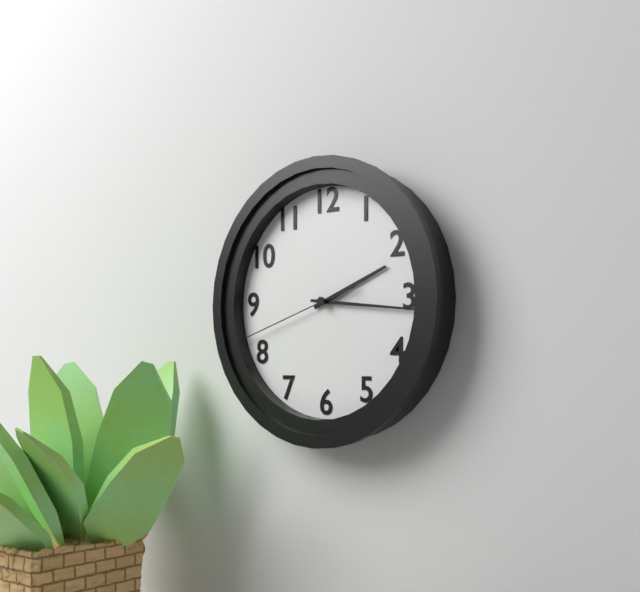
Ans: 2:16:42
